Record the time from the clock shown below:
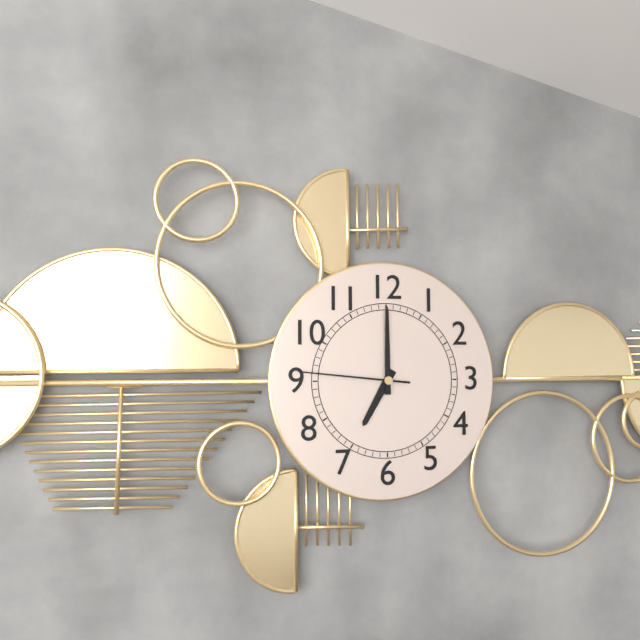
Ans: 7:00:46
